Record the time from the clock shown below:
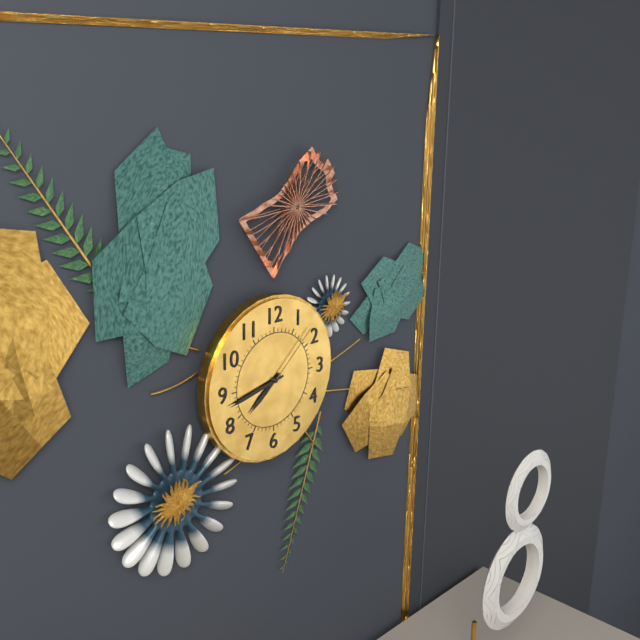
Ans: 7:43:08
